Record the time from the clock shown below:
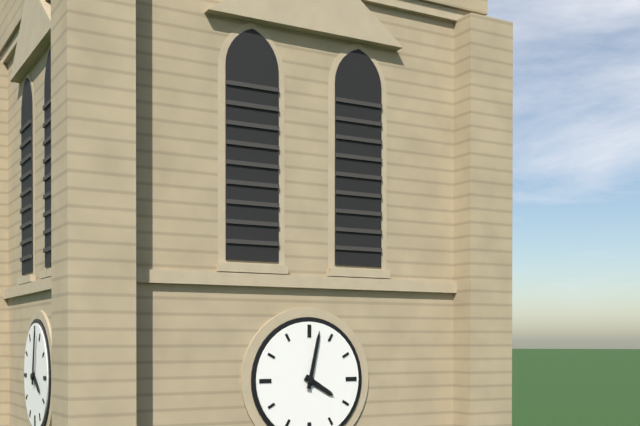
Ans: 4:02
